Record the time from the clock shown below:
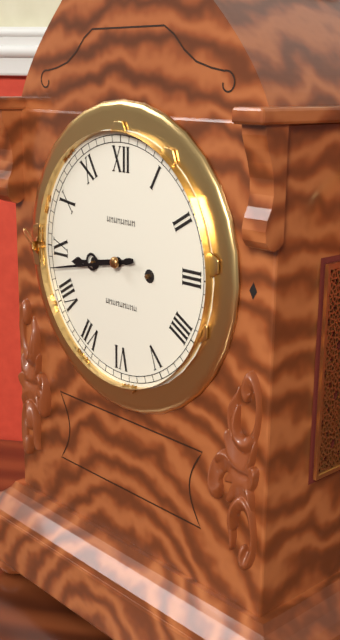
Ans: 8:43
